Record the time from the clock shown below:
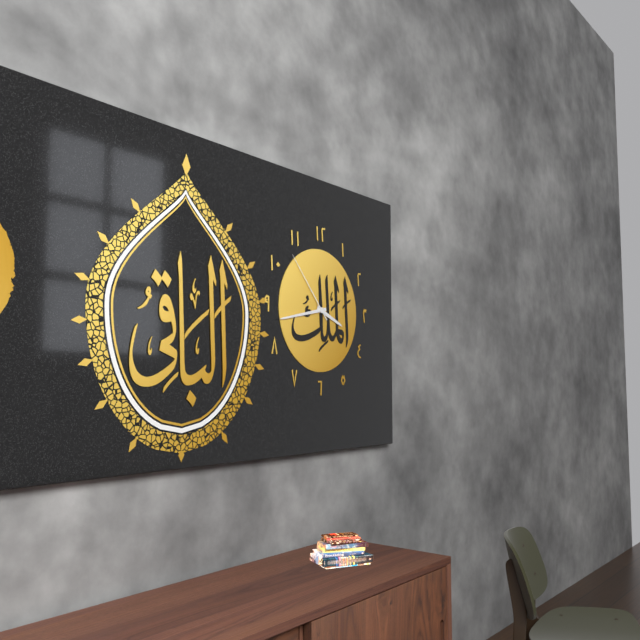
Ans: 3:43:53
